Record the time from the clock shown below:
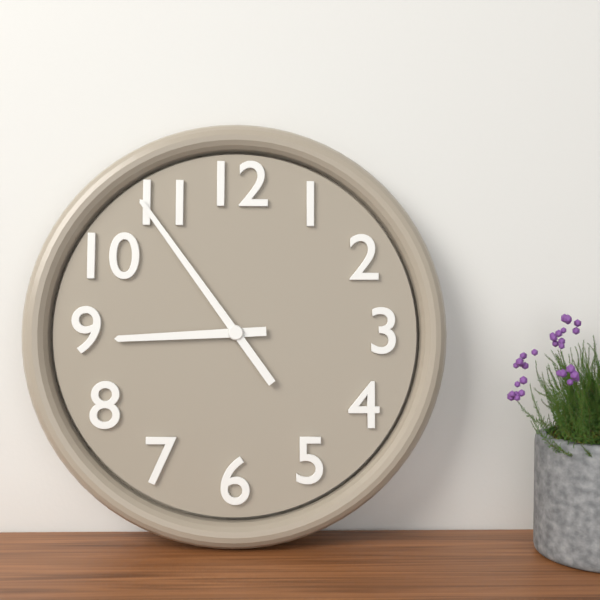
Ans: 8:54
